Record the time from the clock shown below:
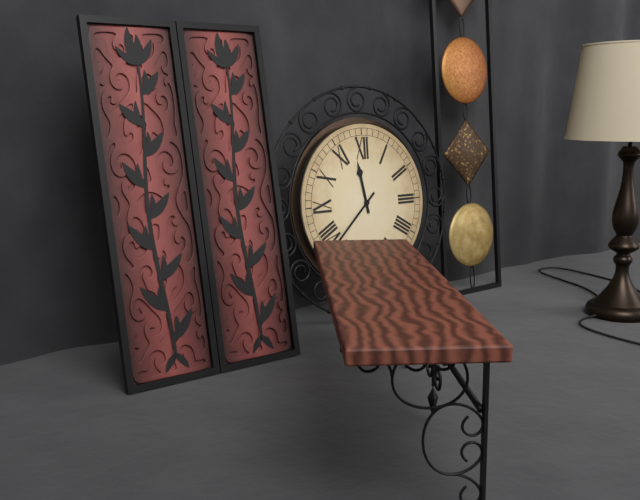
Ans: 11:38
